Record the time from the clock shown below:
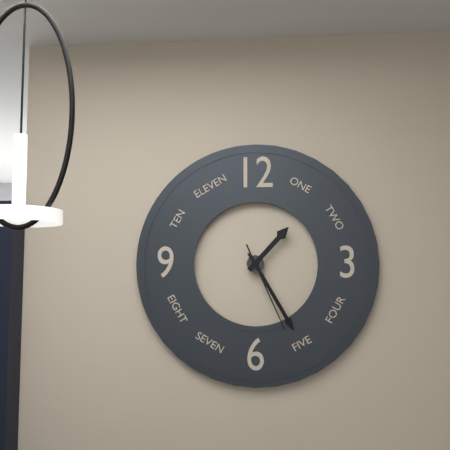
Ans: 1:25:26
